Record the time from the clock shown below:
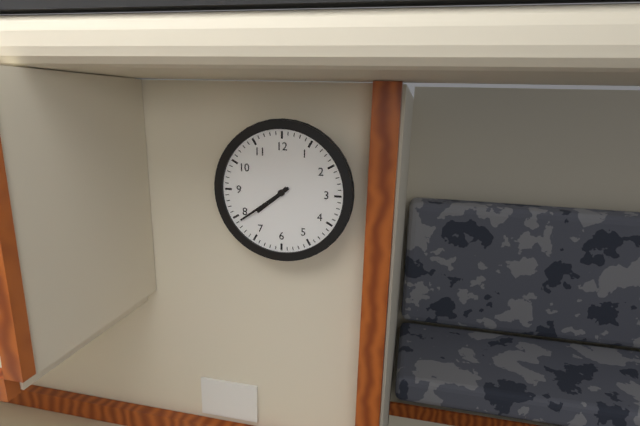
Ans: 7:39
